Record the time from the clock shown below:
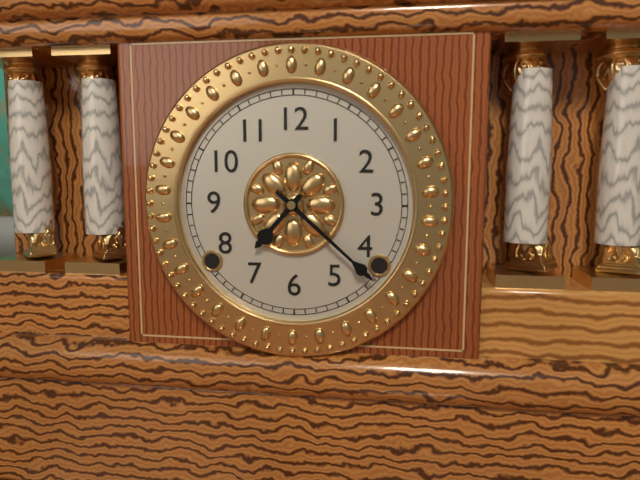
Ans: 7:22
